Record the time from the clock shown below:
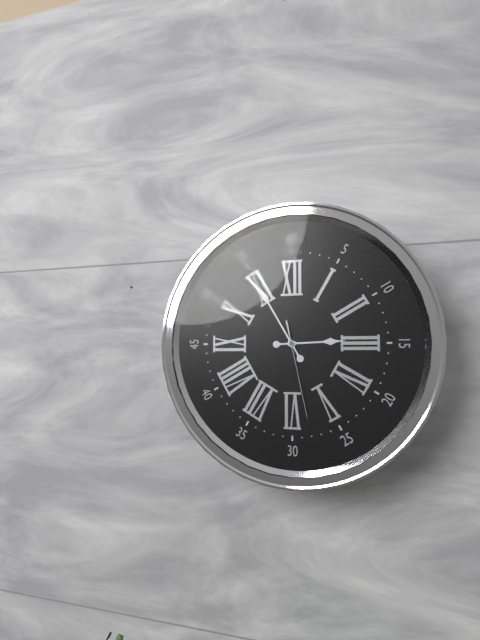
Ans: 2:55:28
